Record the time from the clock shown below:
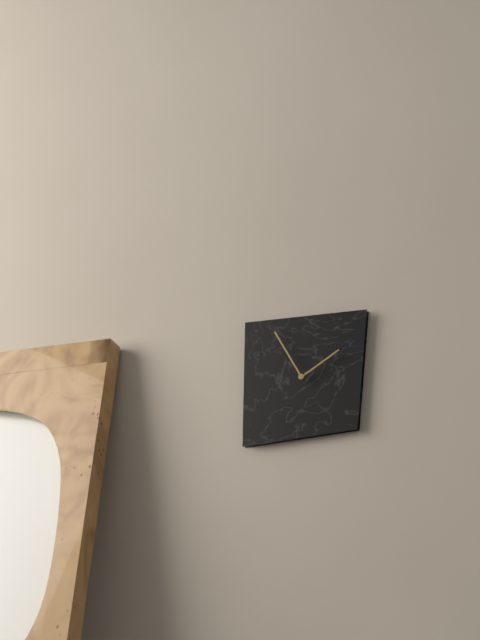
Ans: 1:55
